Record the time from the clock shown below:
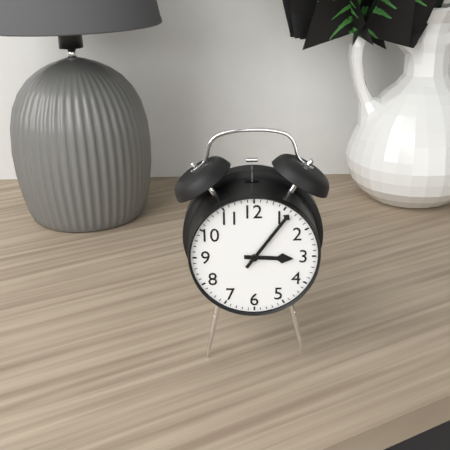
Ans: 3:06
